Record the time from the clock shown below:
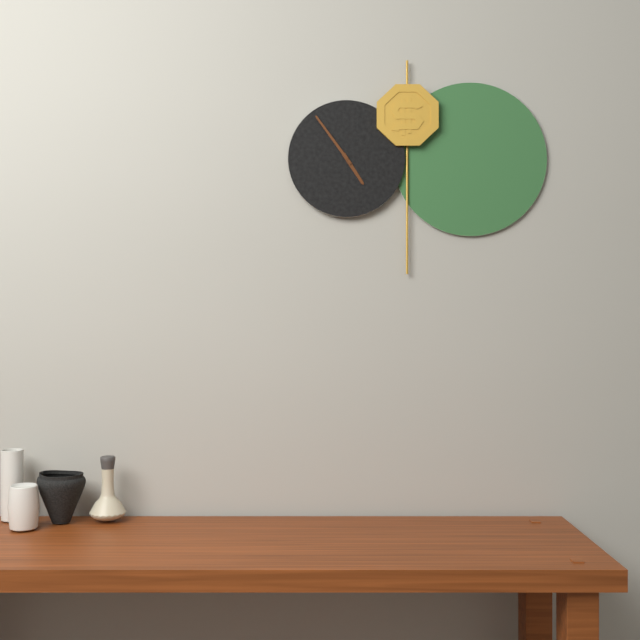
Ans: 4:54
